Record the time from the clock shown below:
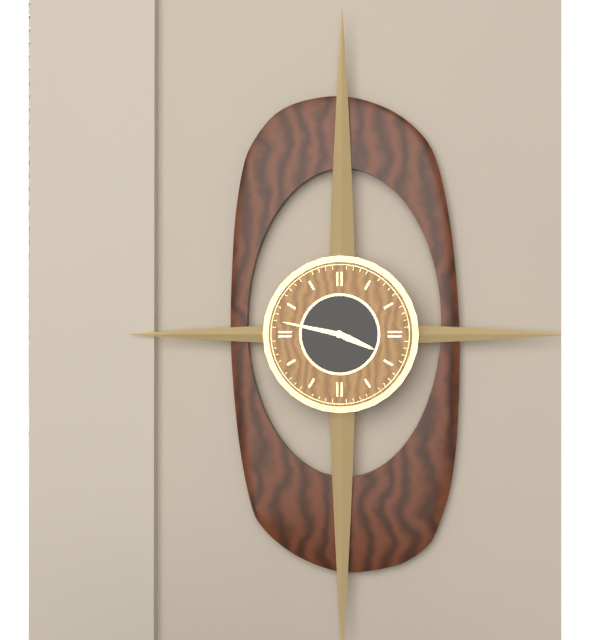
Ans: 3:47
